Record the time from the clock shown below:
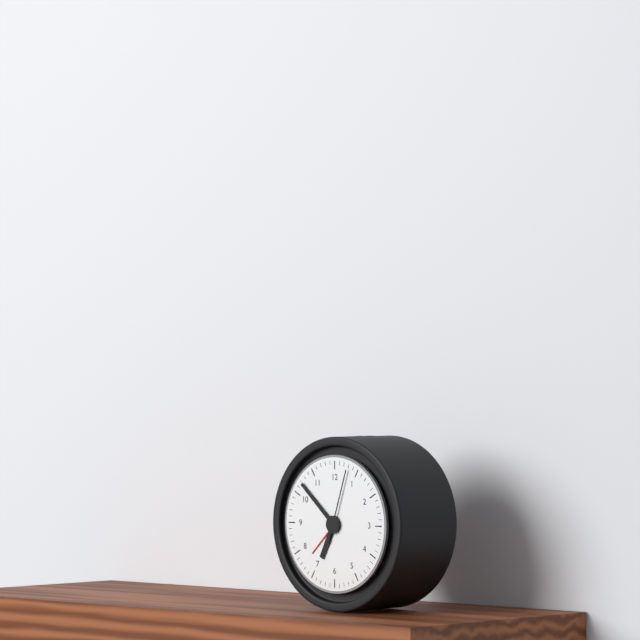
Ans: 6:52:03
